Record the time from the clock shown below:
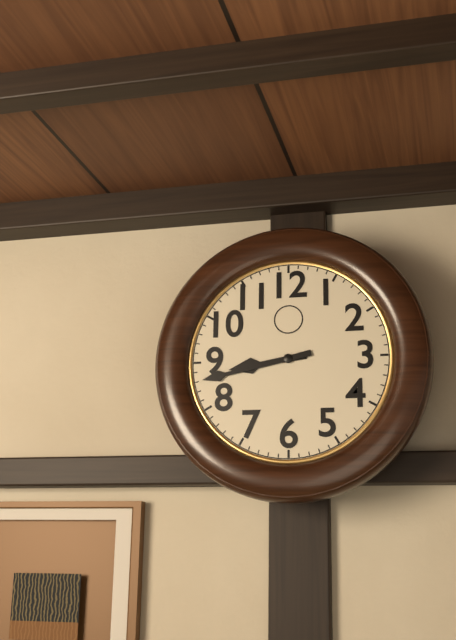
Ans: 8:43
